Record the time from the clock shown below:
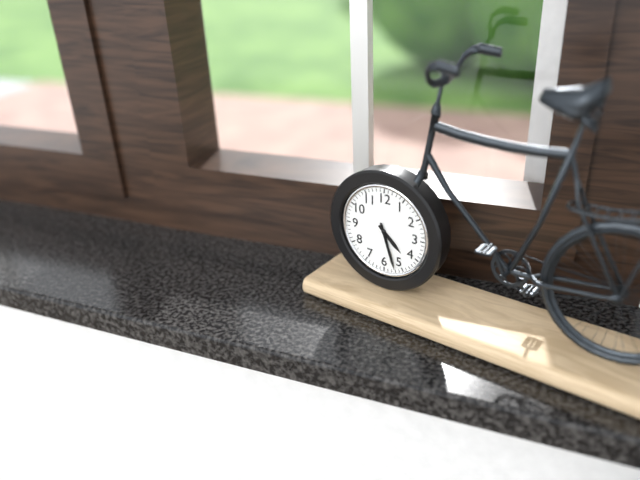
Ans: 4:27
